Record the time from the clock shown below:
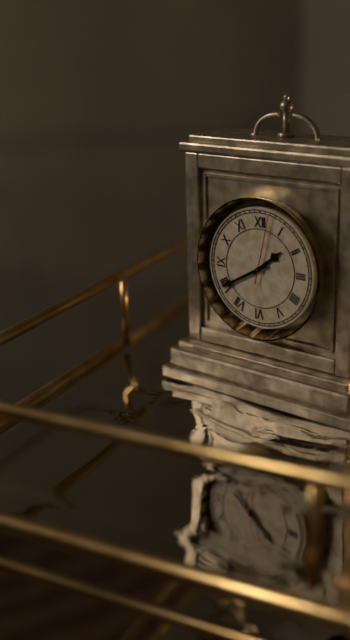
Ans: 1:40:02
